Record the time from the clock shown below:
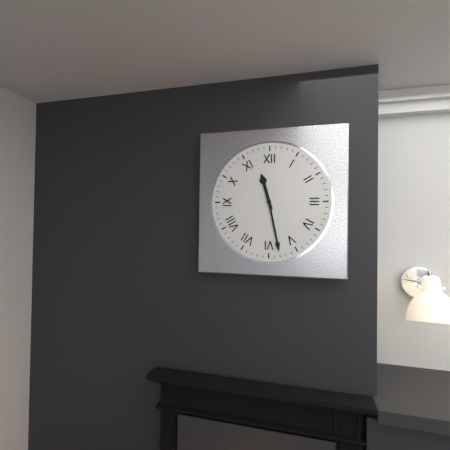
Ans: 11:28
